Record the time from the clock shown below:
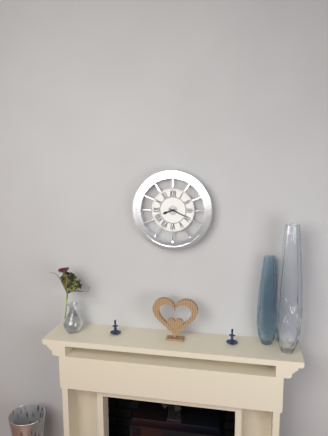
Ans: 8:19
